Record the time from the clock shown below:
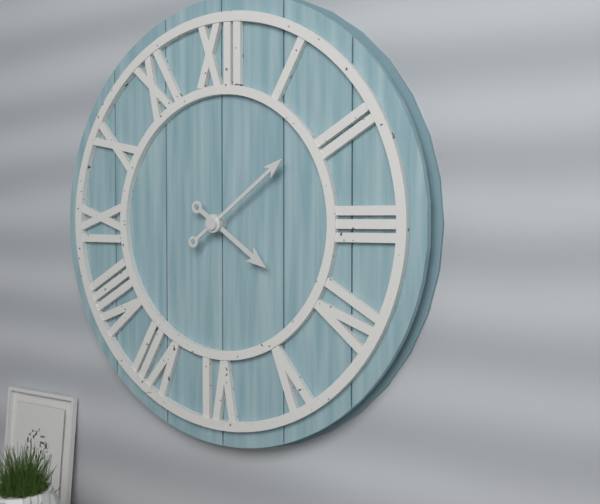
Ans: 4:09
